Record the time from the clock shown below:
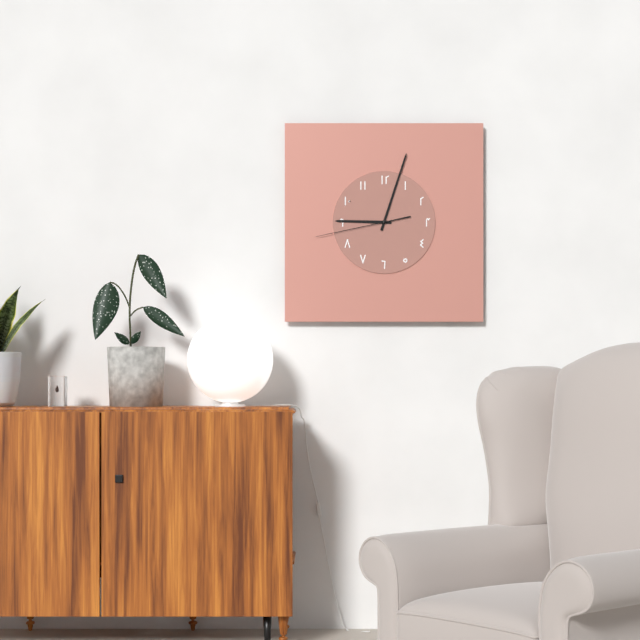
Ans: 9:03:43
